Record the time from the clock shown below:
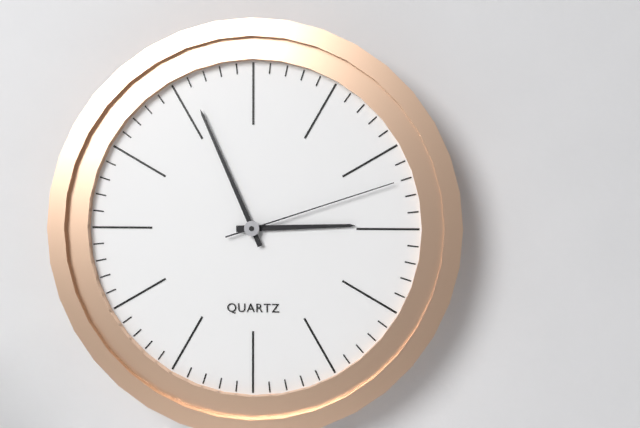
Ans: 2:56:12
